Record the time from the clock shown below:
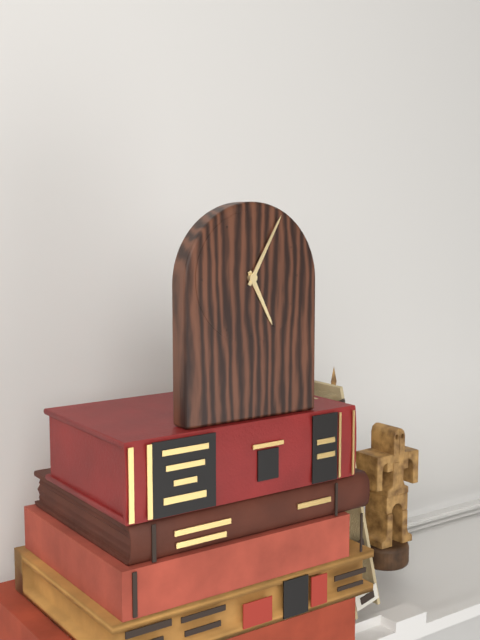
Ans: 5:05
